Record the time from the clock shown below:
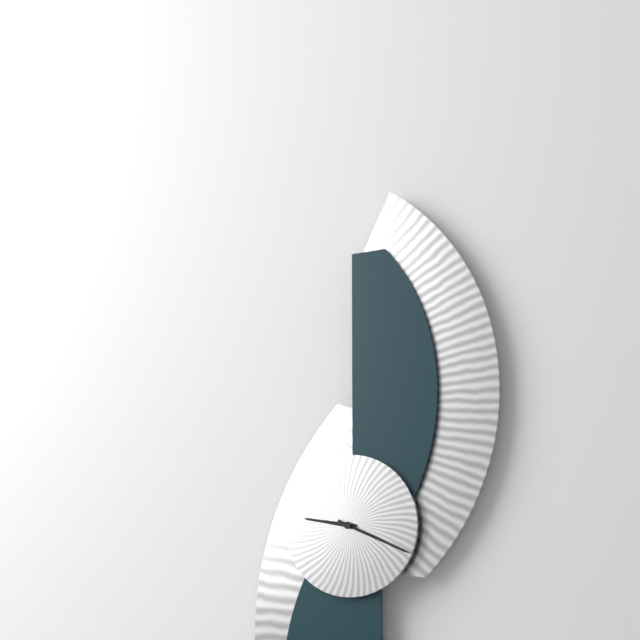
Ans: 9:19
